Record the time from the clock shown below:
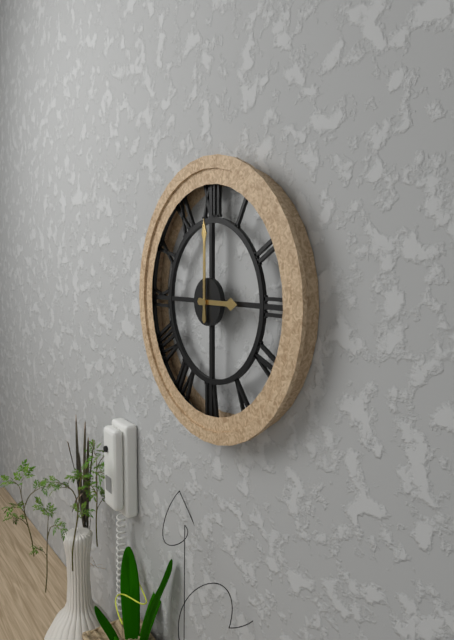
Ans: 3:00
